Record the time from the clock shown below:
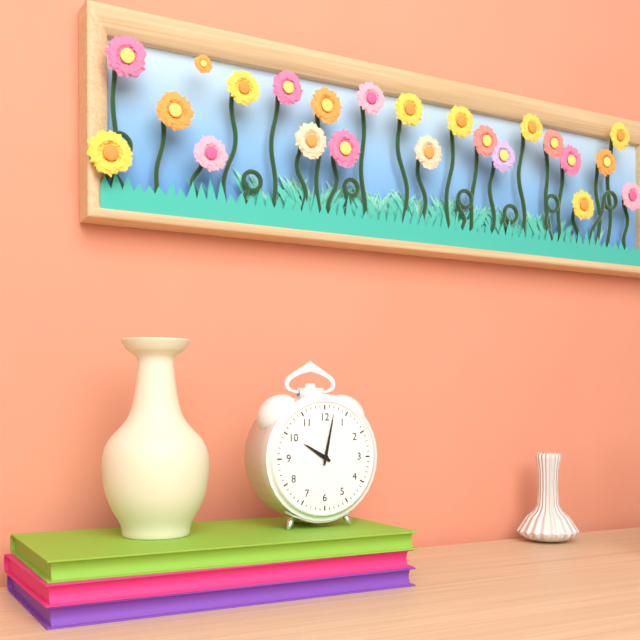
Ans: 10:02
